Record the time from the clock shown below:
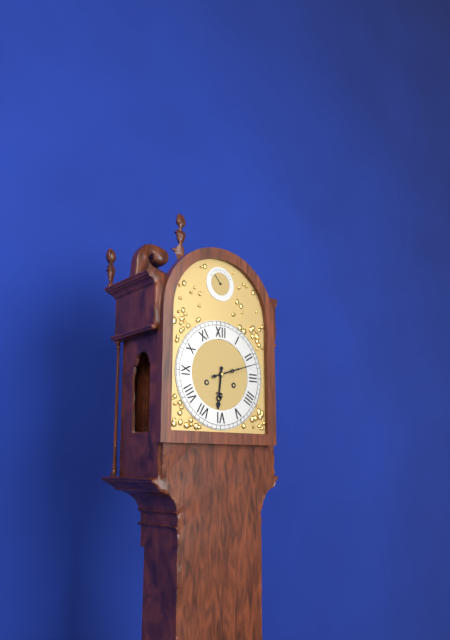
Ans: 6:12
